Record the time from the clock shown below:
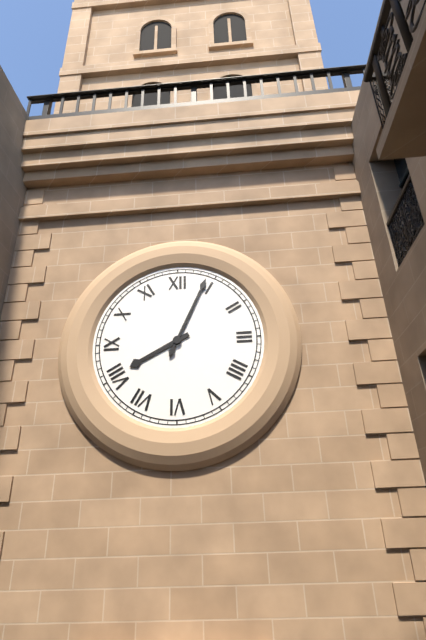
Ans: 8:04
